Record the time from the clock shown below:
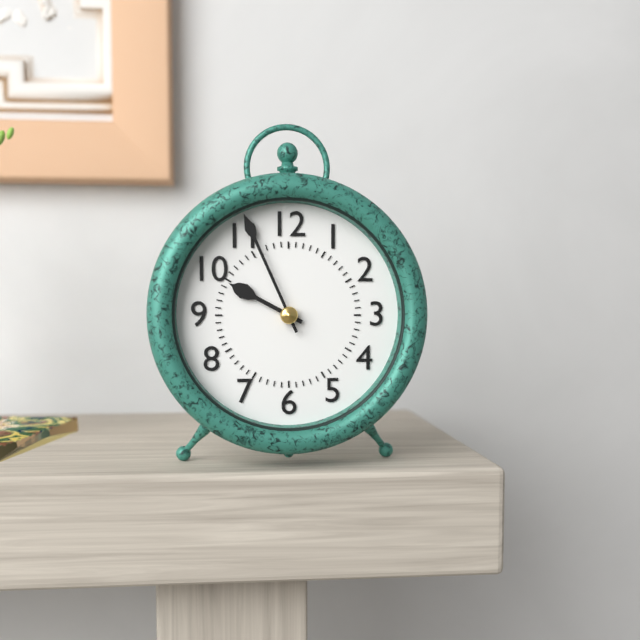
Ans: 9:56
